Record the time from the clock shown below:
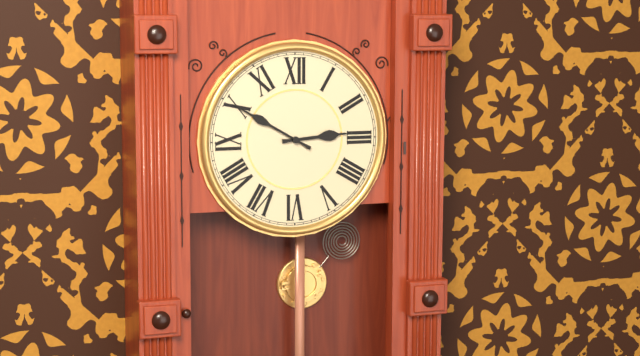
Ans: 2:50
